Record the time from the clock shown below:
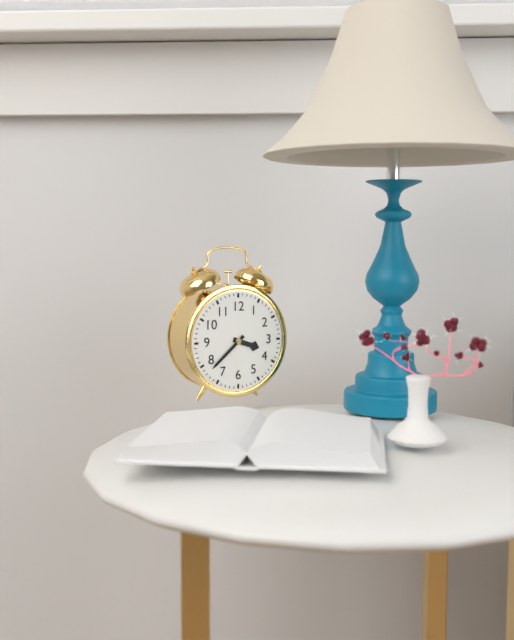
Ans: 3:38
